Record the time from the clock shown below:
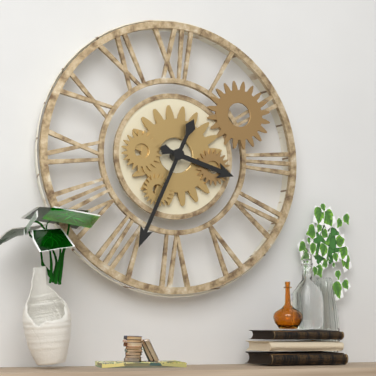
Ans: 3:34
